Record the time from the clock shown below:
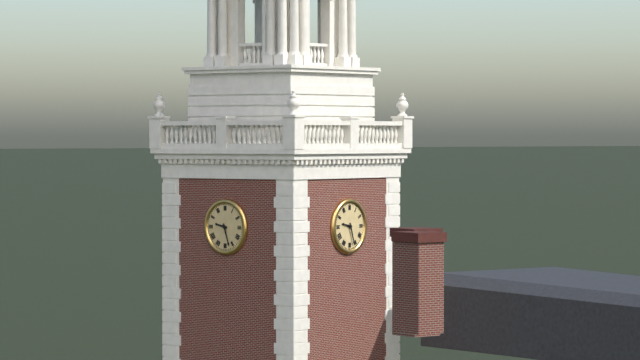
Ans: 9:27
